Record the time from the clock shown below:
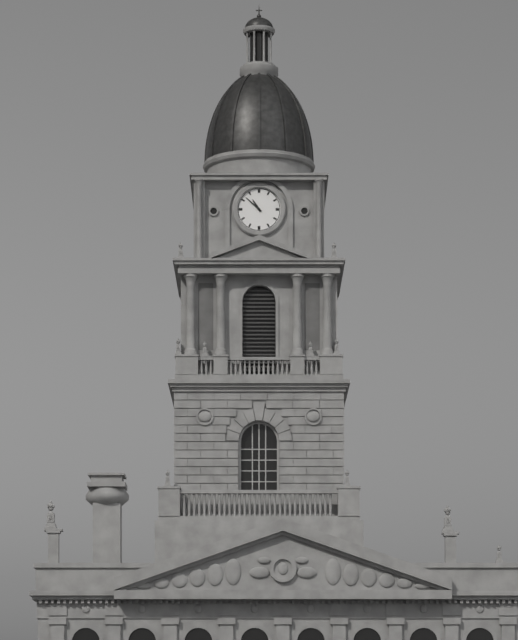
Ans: 10:52
